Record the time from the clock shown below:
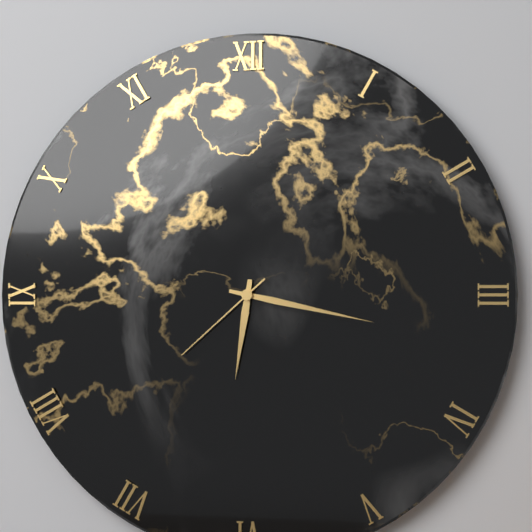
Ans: 6:17:38
